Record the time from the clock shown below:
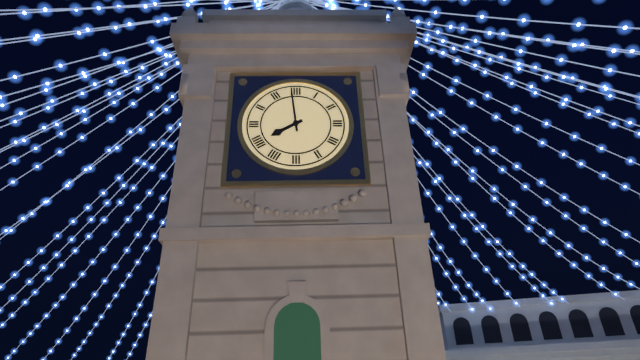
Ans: 7:59
